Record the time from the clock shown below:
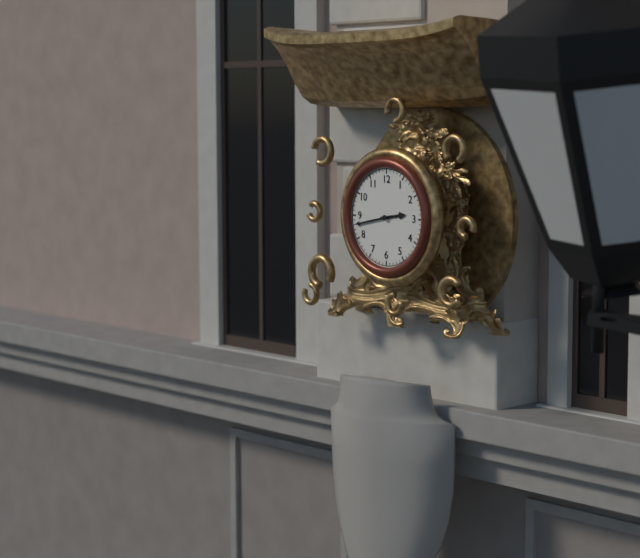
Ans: 2:43
